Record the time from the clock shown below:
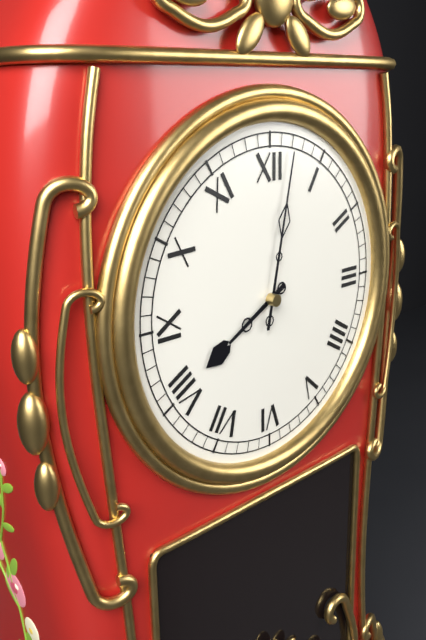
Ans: 8:02
